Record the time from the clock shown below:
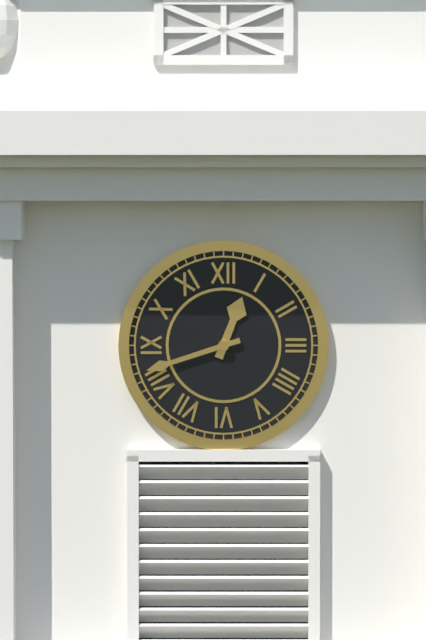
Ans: 12:42
